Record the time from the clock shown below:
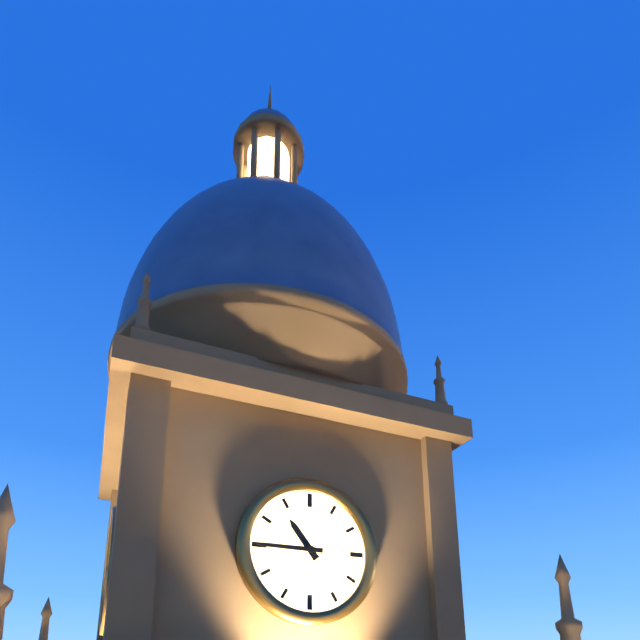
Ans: 10:45
